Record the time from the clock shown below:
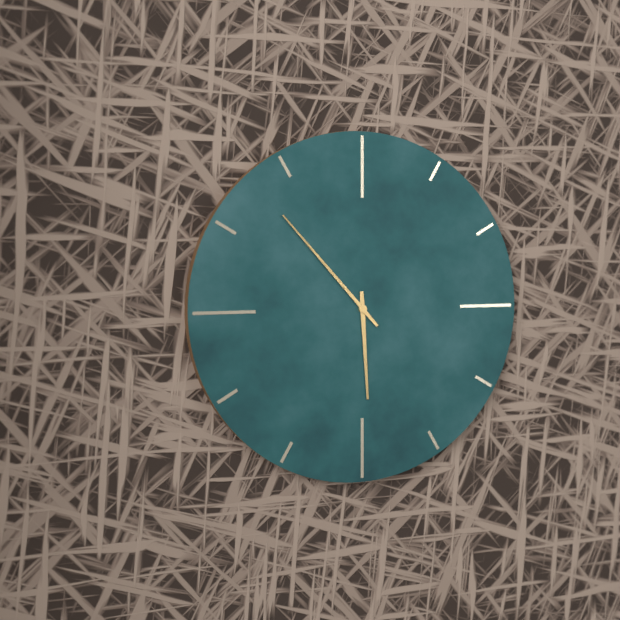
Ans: 5:53
